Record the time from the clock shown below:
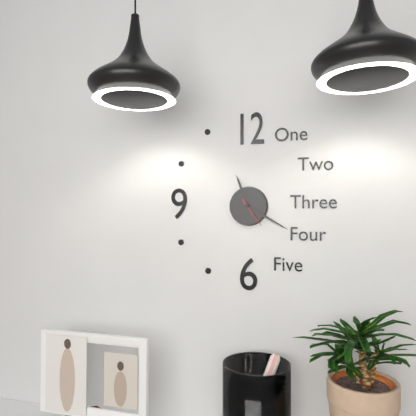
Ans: 11:20
